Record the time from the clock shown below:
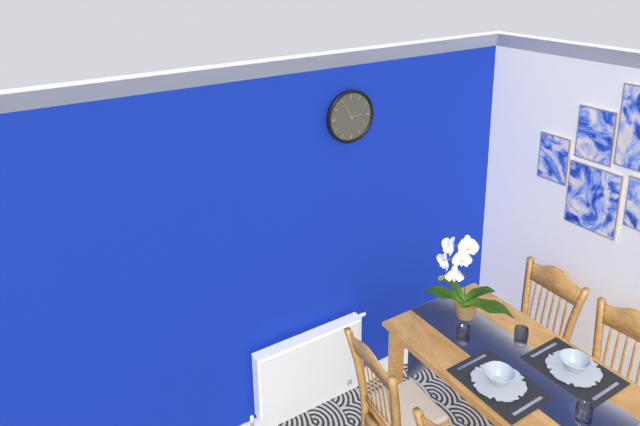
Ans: 2:55
